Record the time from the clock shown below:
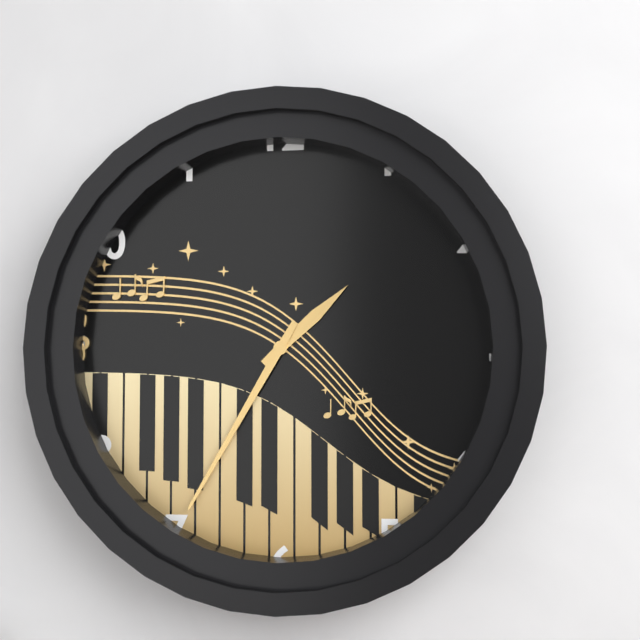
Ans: 1:35
